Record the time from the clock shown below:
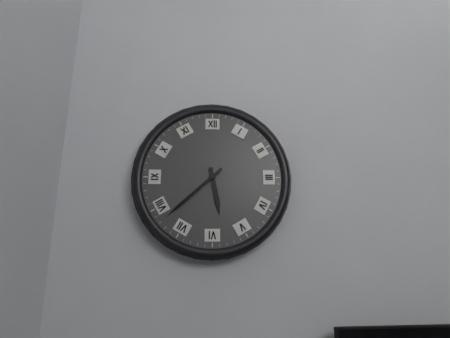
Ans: 5:38
